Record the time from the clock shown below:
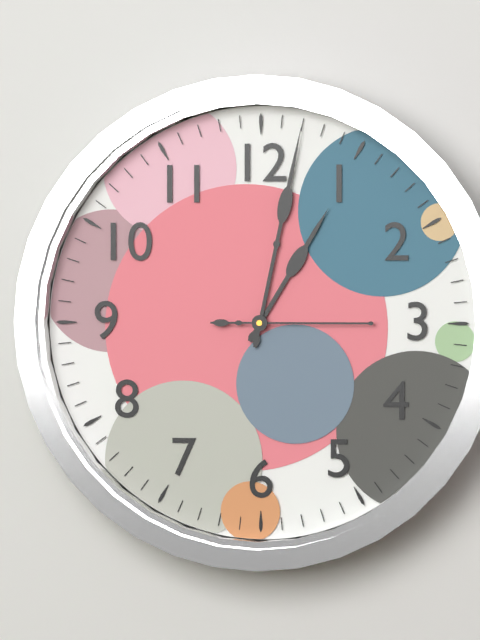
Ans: 1:02:15
